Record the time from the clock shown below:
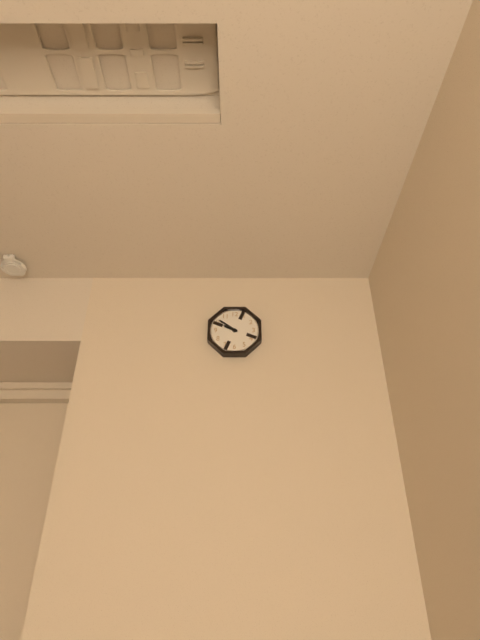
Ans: 9:51
